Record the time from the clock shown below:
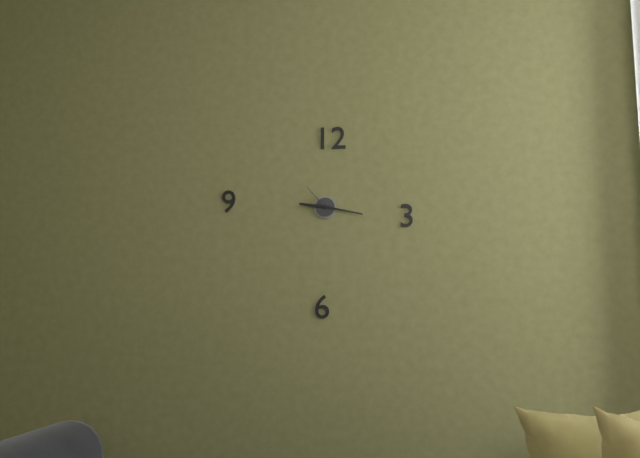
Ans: 9:17
